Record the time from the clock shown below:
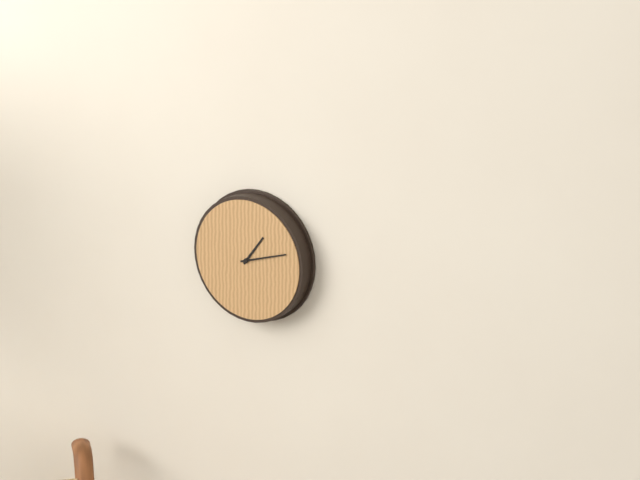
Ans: 1:12
